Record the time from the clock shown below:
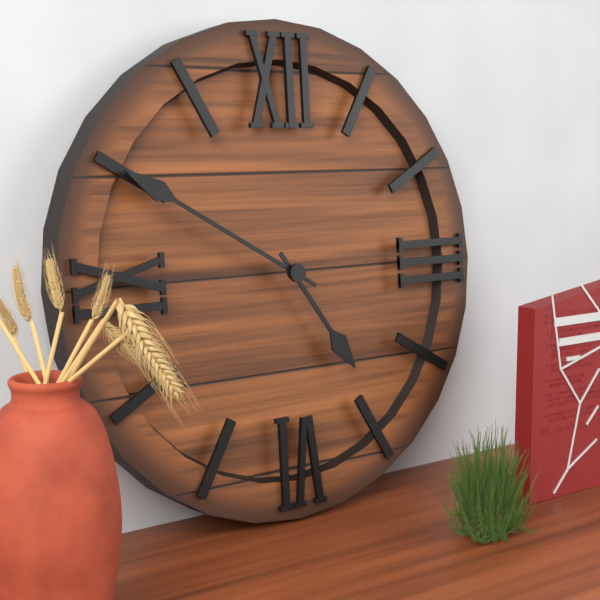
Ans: 4:50
